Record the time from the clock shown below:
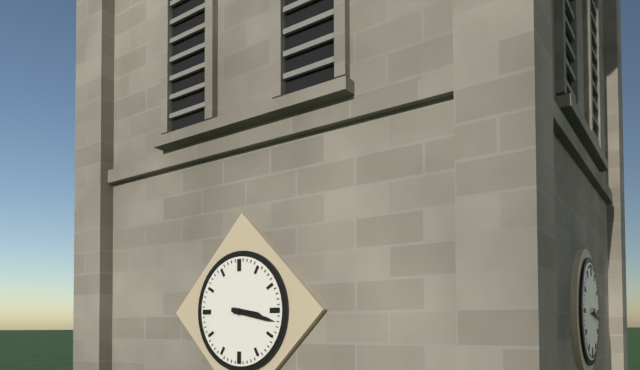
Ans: 3:17
